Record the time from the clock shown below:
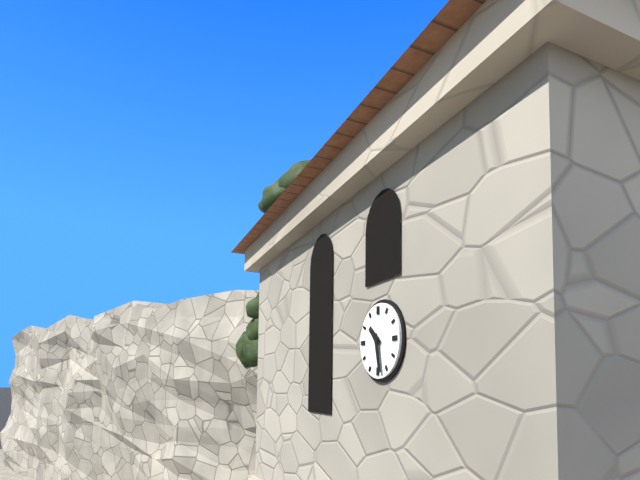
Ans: 10:28
